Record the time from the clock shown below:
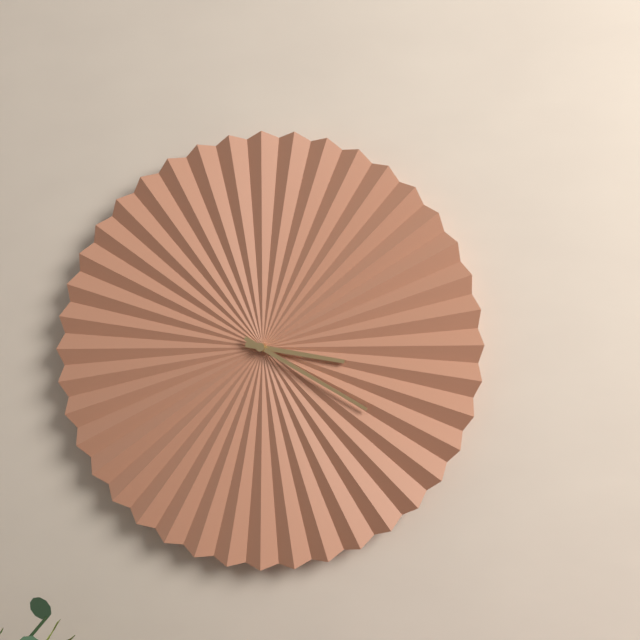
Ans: 3:20
